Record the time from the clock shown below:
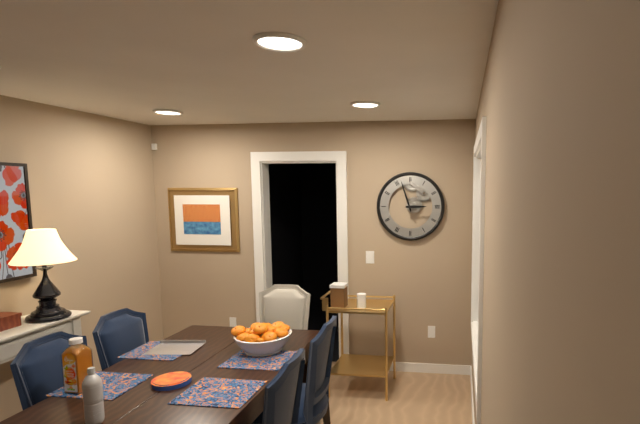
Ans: 2:57
